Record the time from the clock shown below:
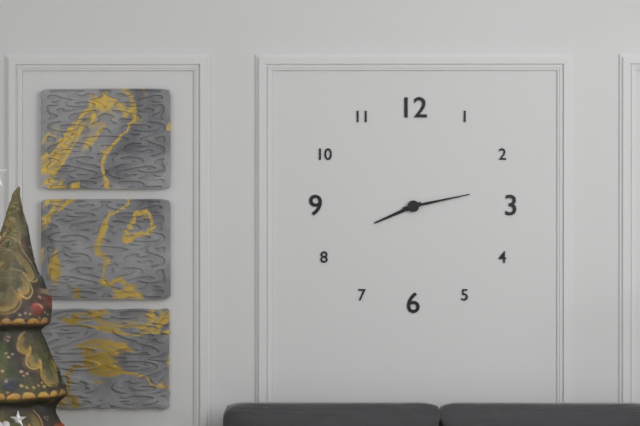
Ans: 8:13
